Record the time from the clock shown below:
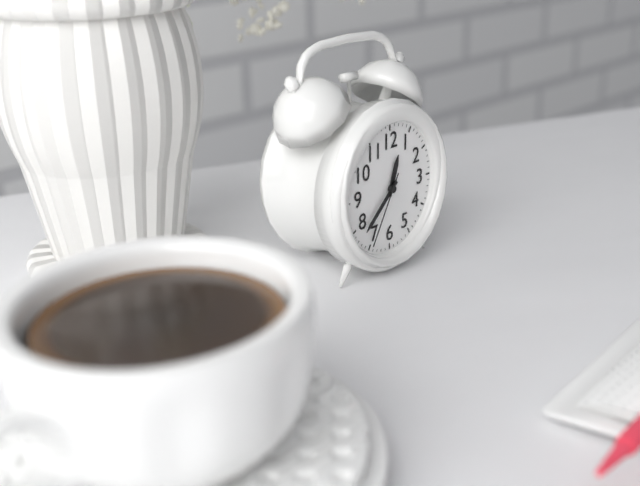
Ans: 12:38:35
